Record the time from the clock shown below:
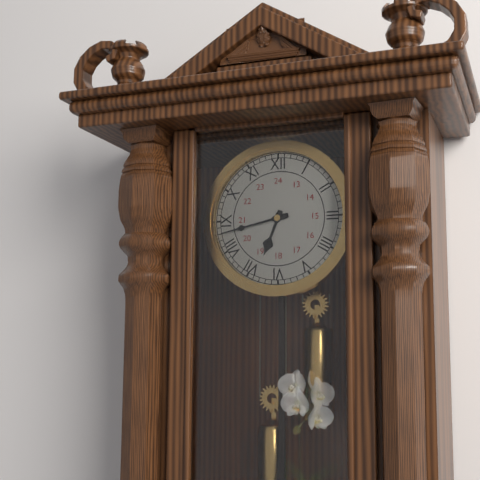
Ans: 6:43
